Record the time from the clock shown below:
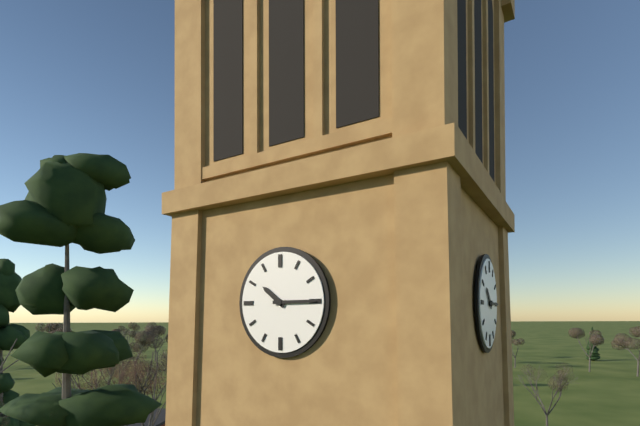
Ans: 10:15
